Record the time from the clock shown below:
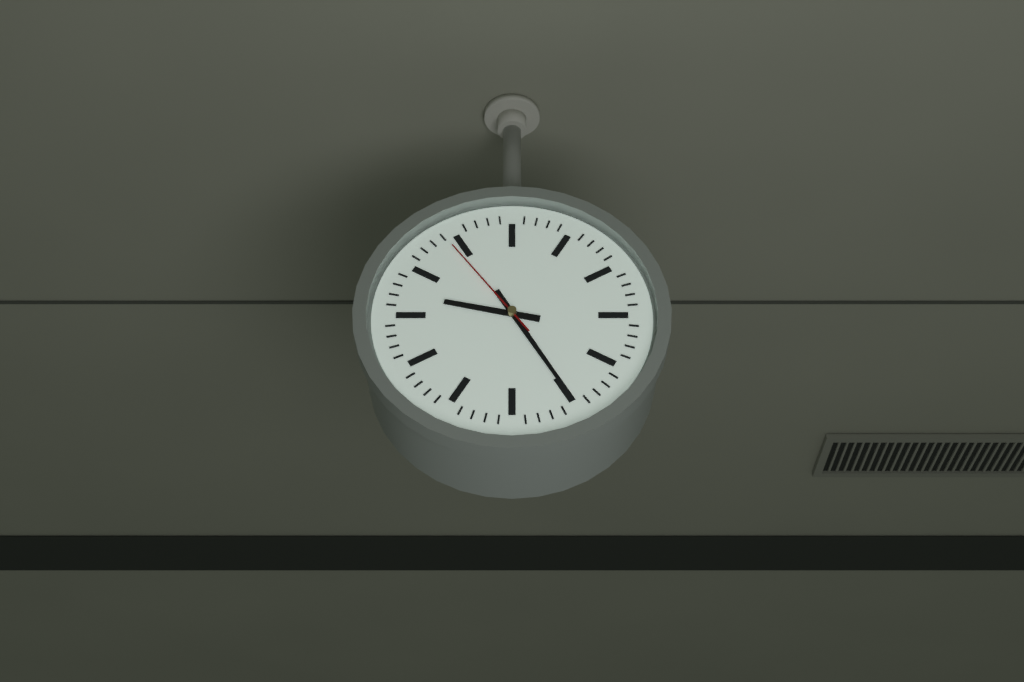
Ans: 9:25:54
